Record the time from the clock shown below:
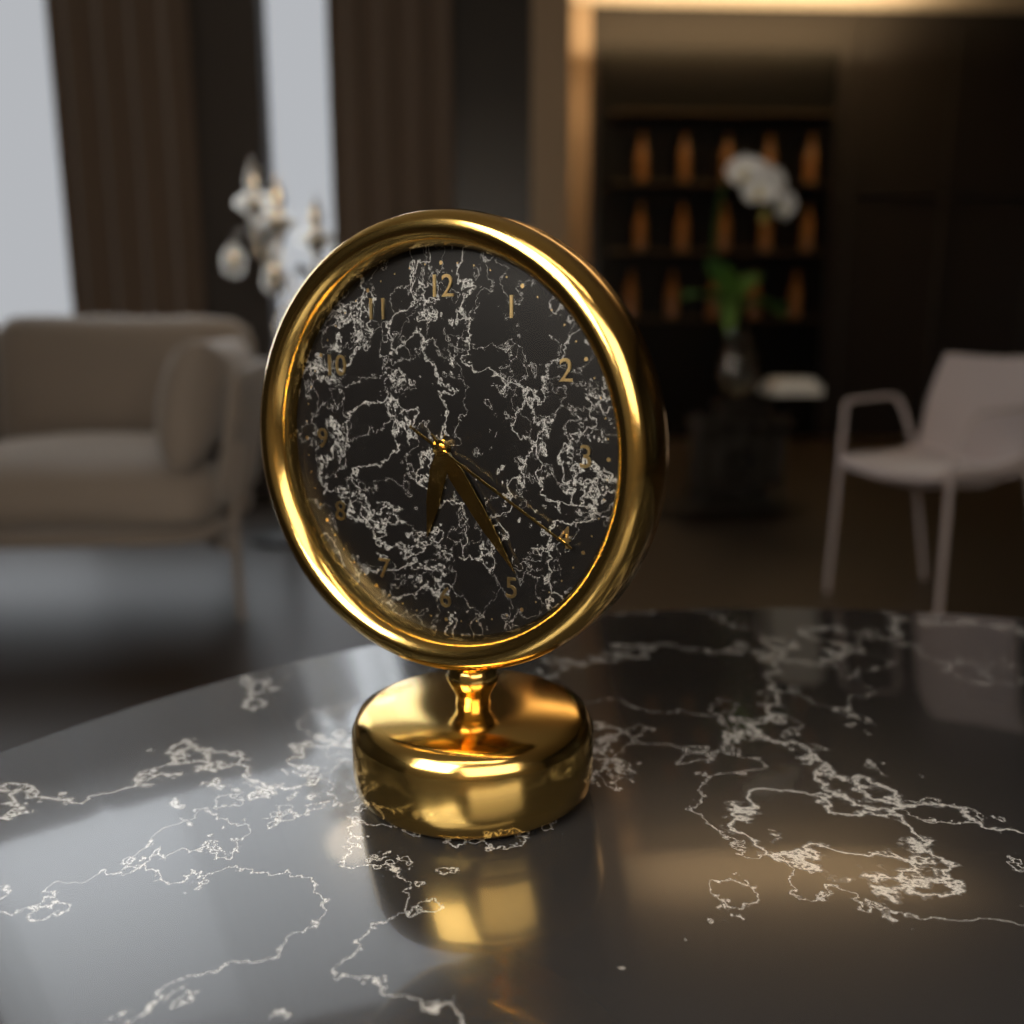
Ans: 6:24:20
